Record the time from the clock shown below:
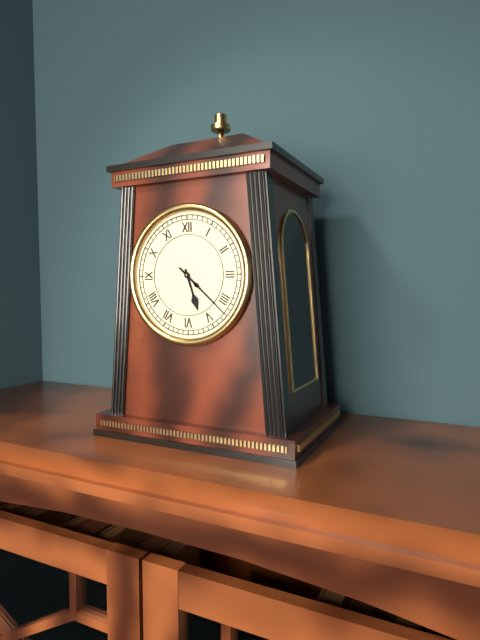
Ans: 5:22
